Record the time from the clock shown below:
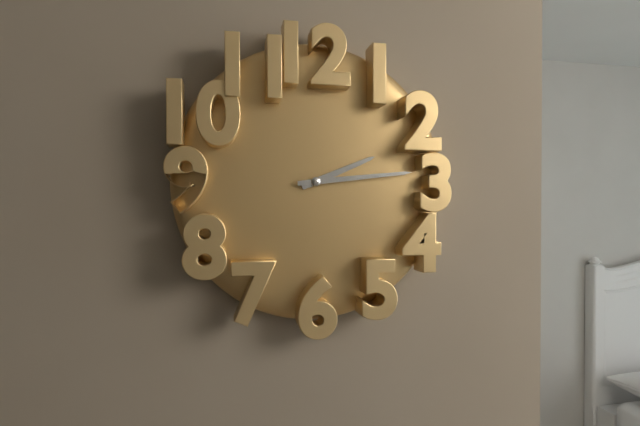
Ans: 2:14
